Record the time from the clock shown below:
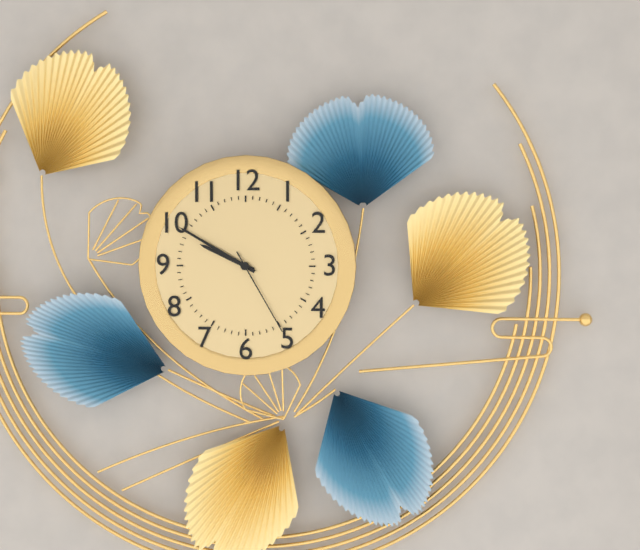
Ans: 9:50:25
